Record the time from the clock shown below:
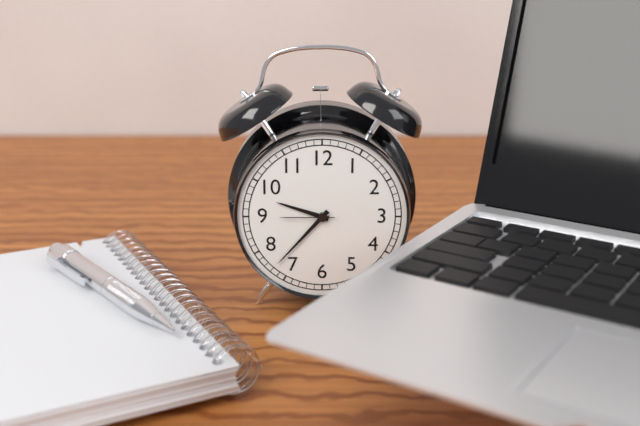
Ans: 9:37:45
